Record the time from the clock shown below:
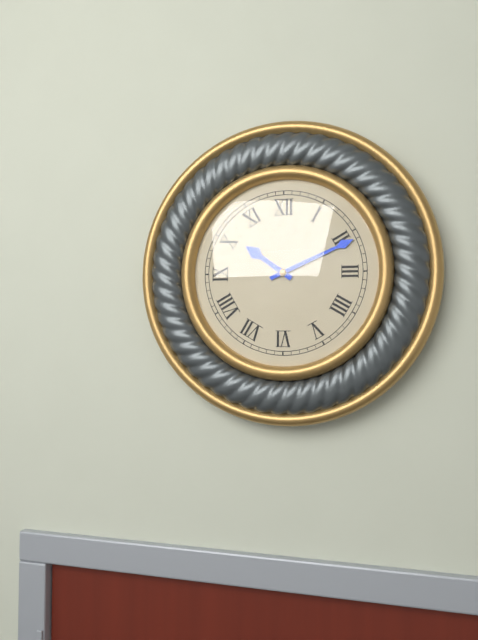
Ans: 10:11
